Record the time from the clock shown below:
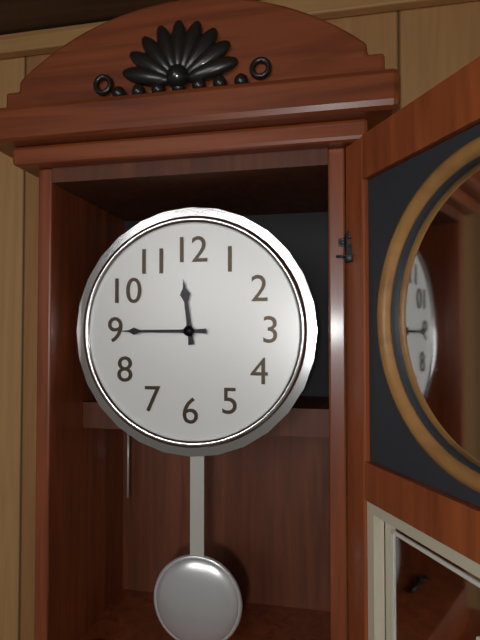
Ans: 11:45
